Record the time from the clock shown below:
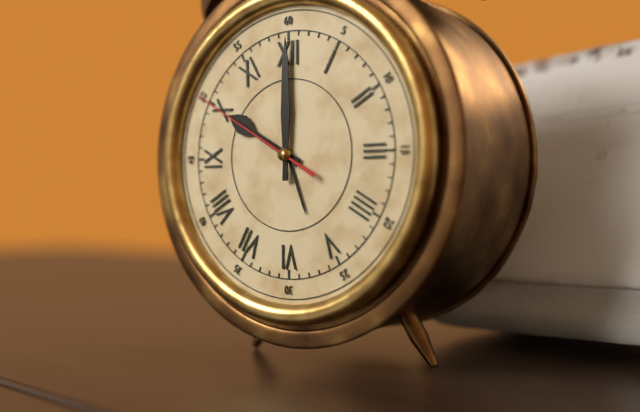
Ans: 10:00:50
